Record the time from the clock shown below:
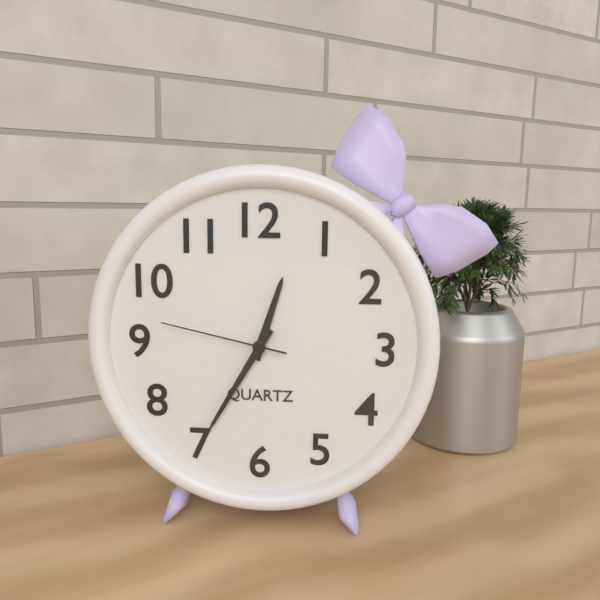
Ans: 12:35:47
